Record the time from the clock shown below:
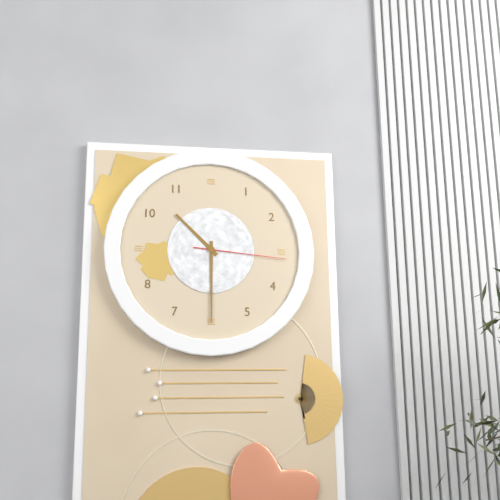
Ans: 10:30:16
